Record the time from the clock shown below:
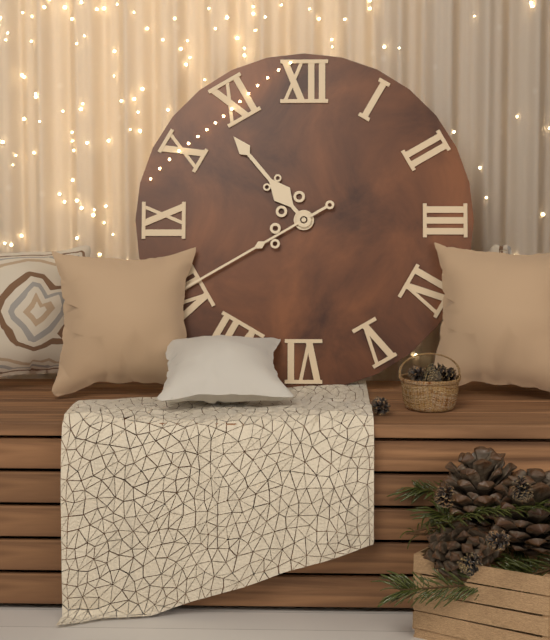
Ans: 10:40
